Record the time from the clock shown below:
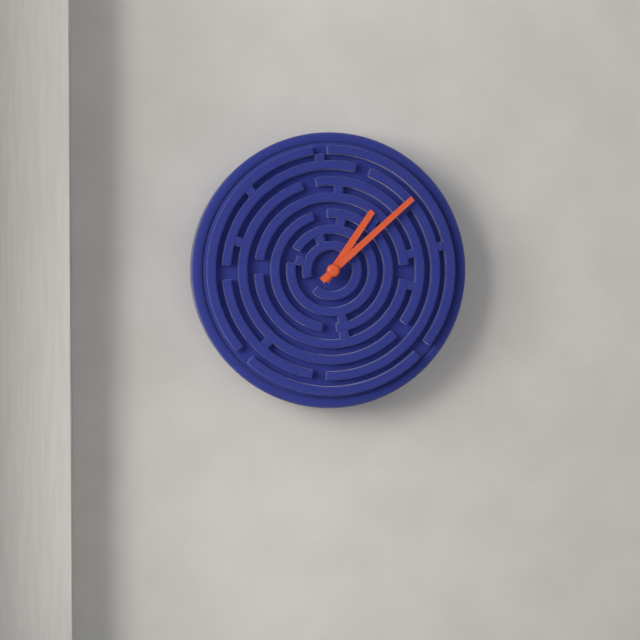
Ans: 1:08
